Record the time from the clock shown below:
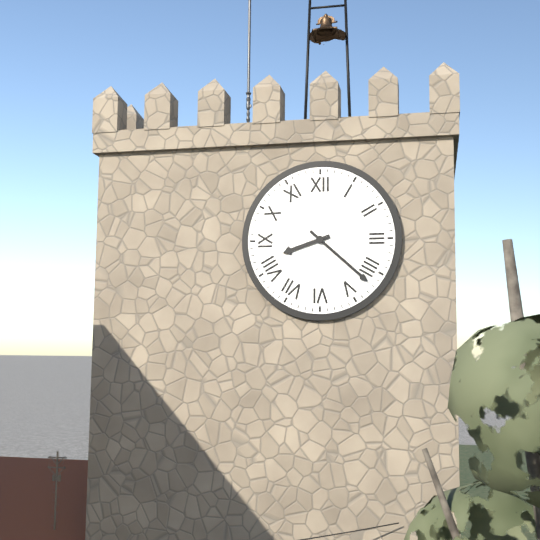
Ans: 8:22
